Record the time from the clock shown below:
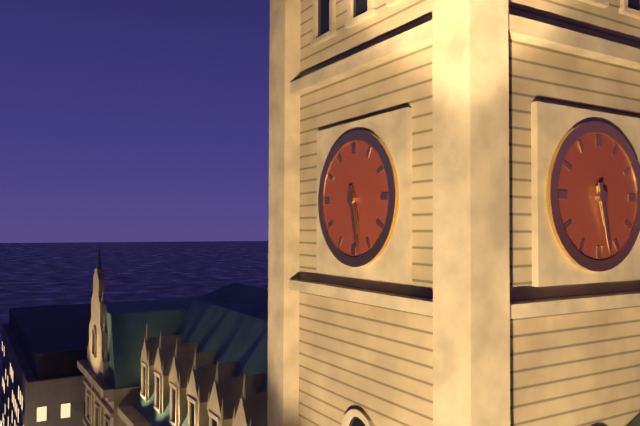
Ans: 5:28
